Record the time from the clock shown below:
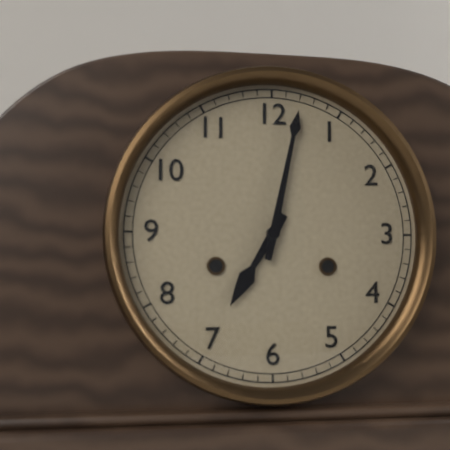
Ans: 7:02
